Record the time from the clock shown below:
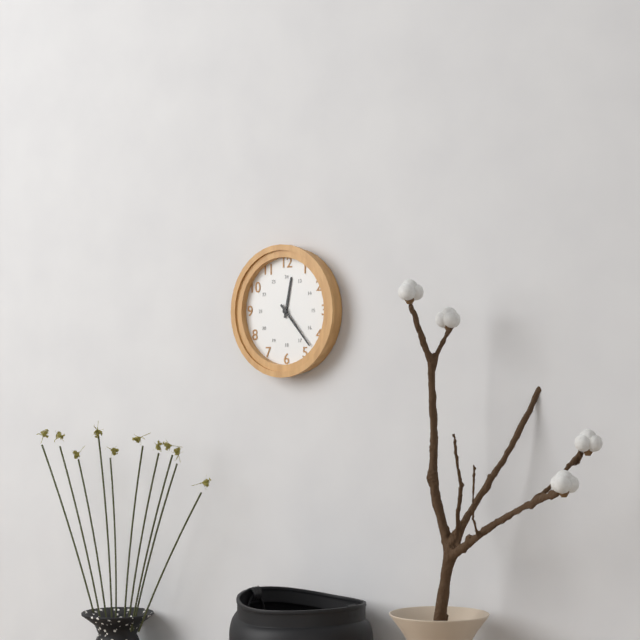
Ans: 12:23
